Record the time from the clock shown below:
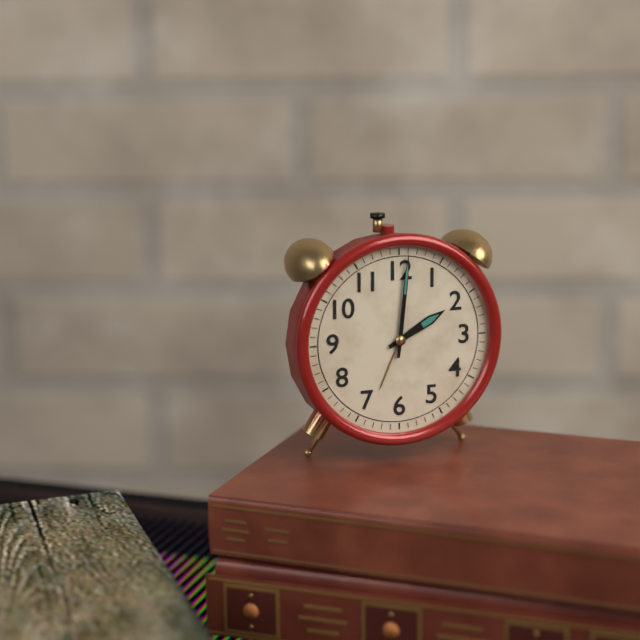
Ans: 2:01
